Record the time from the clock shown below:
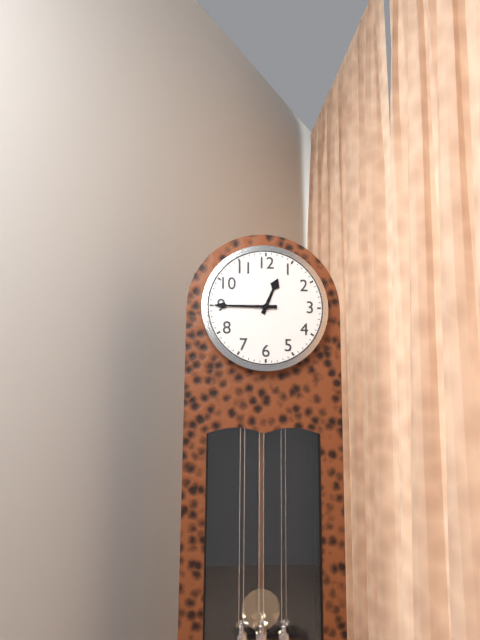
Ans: 12:45
